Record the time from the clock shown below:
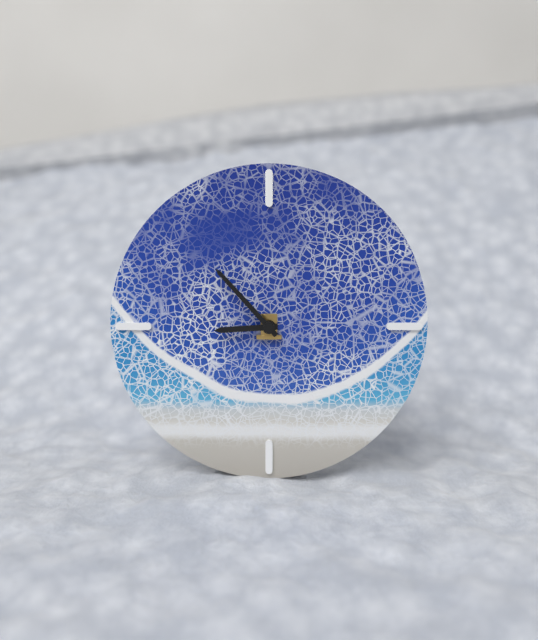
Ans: 8:53
